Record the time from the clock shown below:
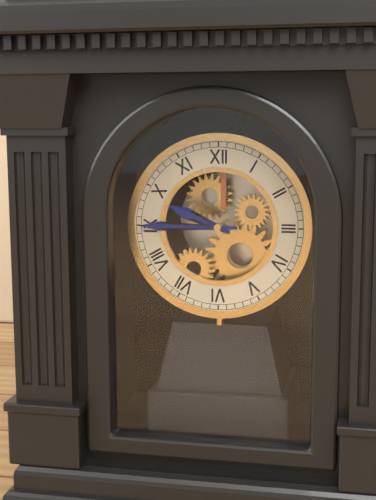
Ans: 9:45
